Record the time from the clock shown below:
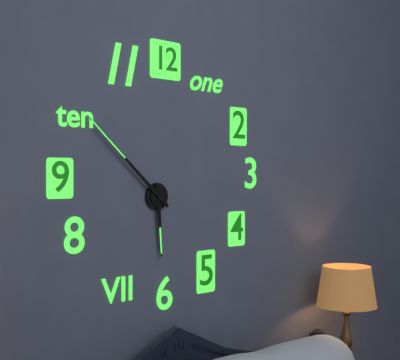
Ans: 5:52
